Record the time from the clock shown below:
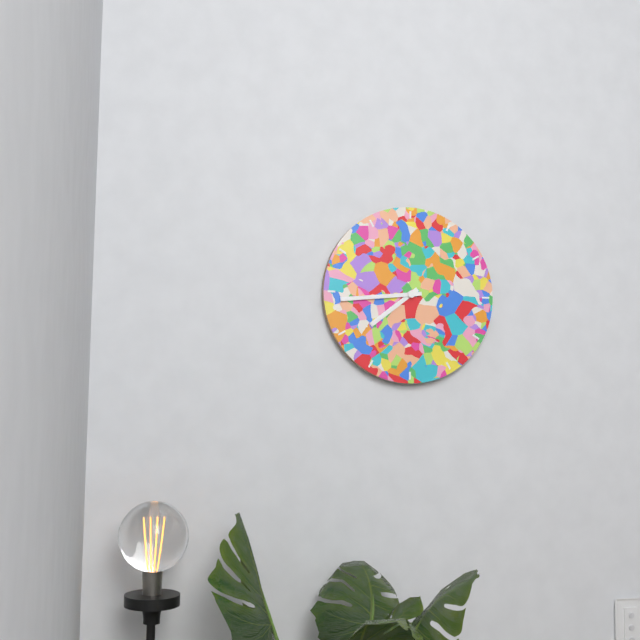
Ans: 7:44
